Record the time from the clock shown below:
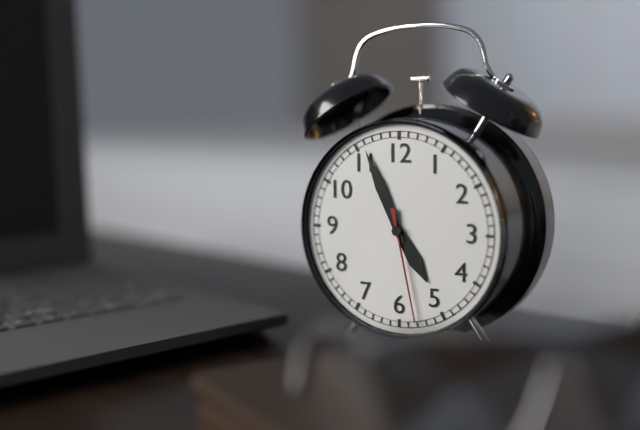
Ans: 4:56:28
